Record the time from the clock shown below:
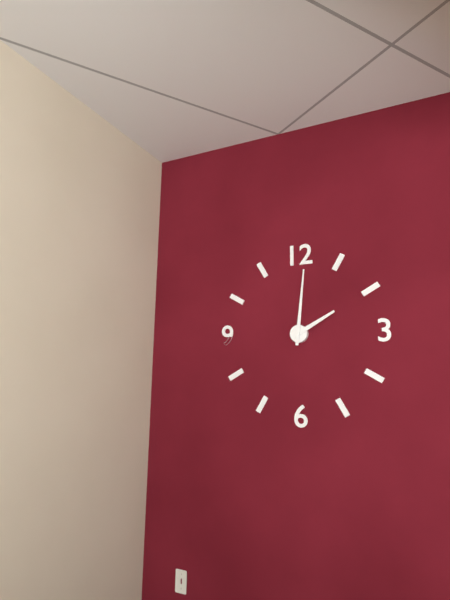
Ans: 2:01
